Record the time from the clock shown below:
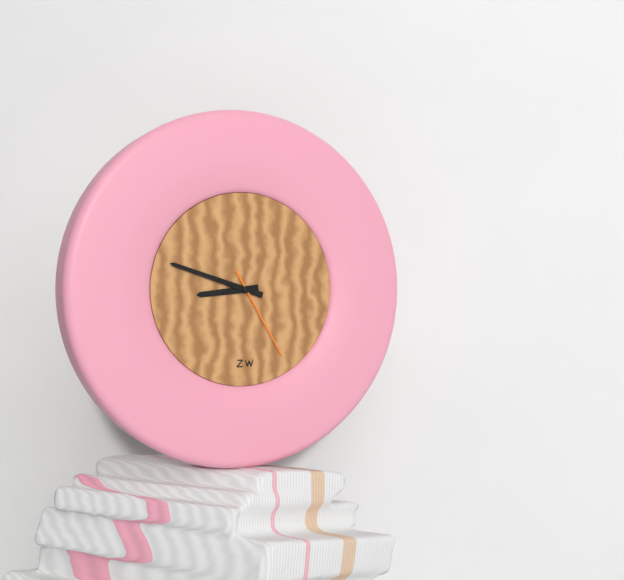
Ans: 8:48:25
